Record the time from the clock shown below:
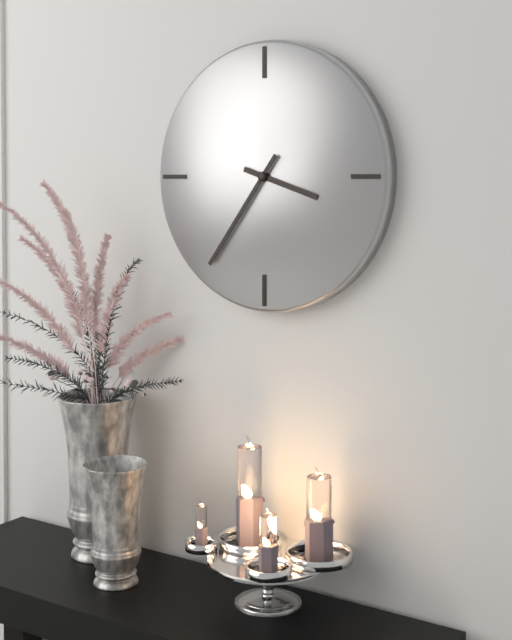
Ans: 3:36
